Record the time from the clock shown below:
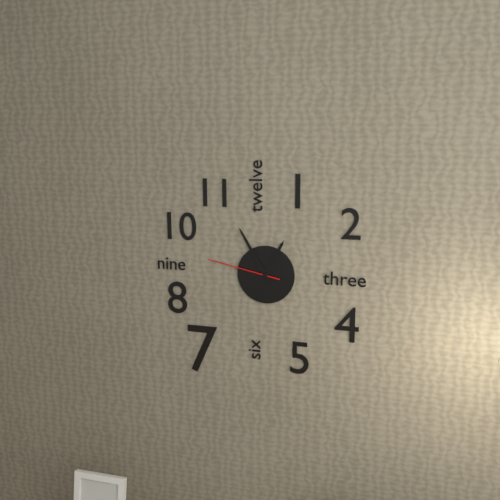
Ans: 12:55:47
